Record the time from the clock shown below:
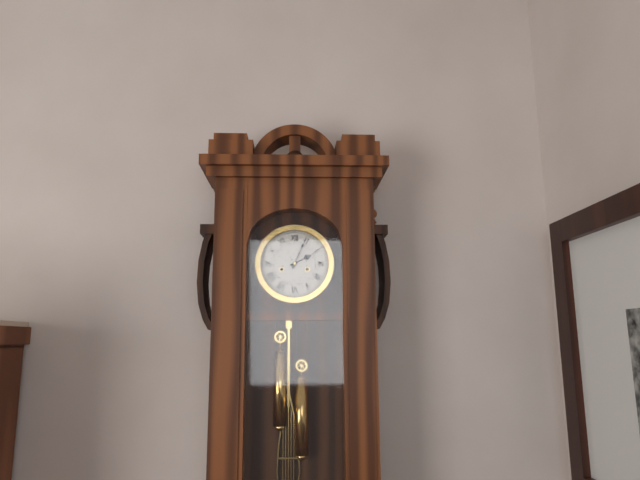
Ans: 2:04
